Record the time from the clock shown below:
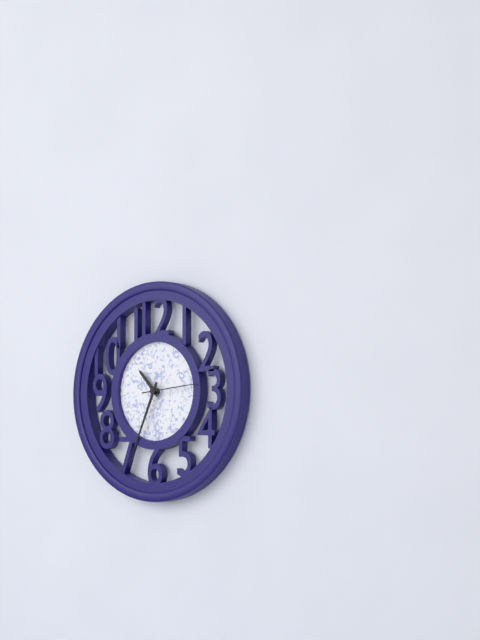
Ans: 10:34
